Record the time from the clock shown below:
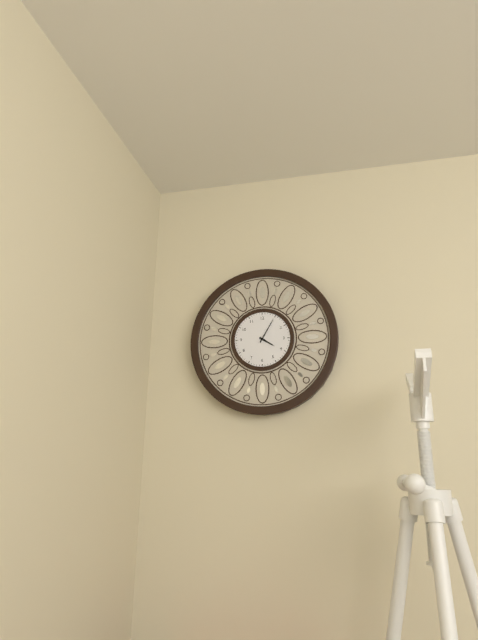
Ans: 4:05
